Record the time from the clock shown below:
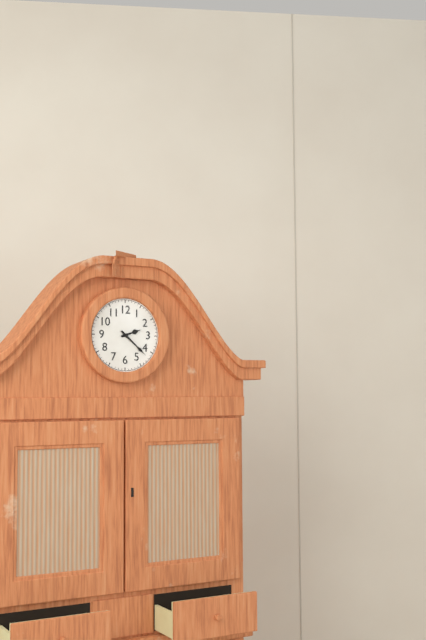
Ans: 2:22
